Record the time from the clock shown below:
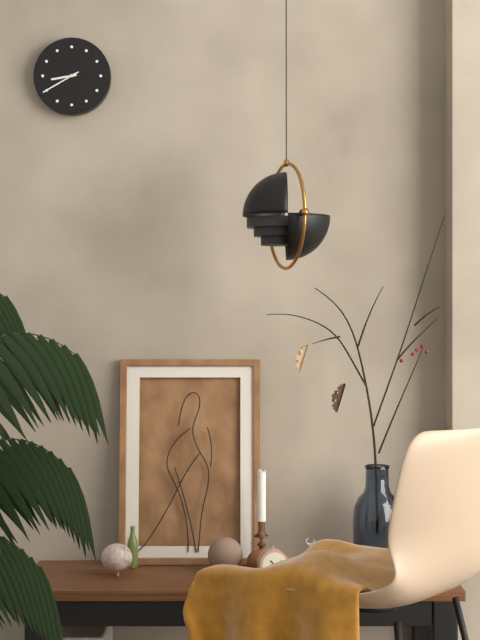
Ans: 8:40
